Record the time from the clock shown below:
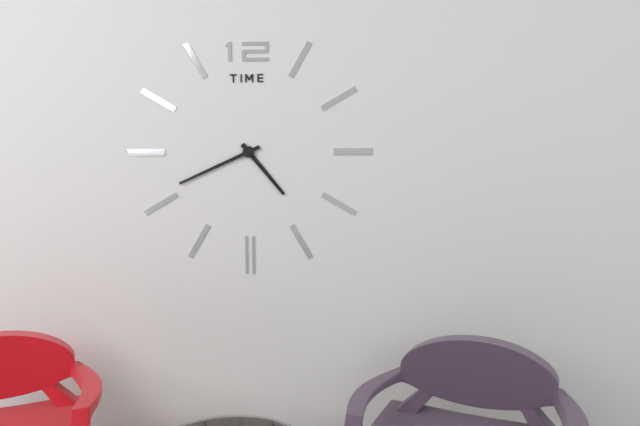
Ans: 4:41
